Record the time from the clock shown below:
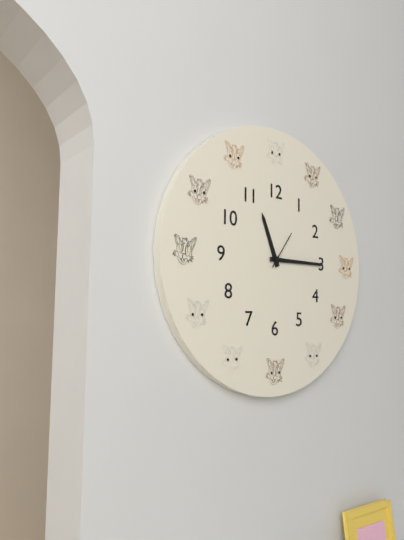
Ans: 11:15
